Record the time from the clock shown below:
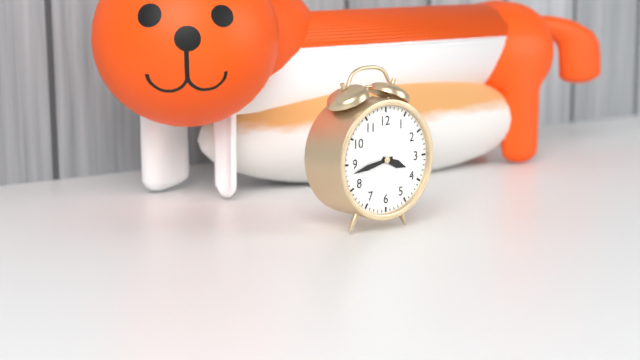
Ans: 3:43
